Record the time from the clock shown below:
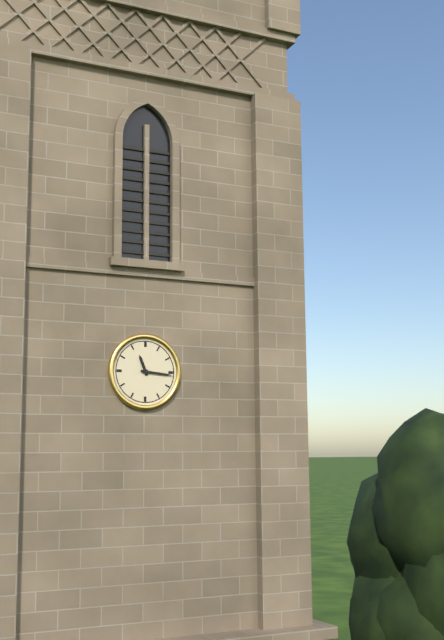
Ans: 11:16
